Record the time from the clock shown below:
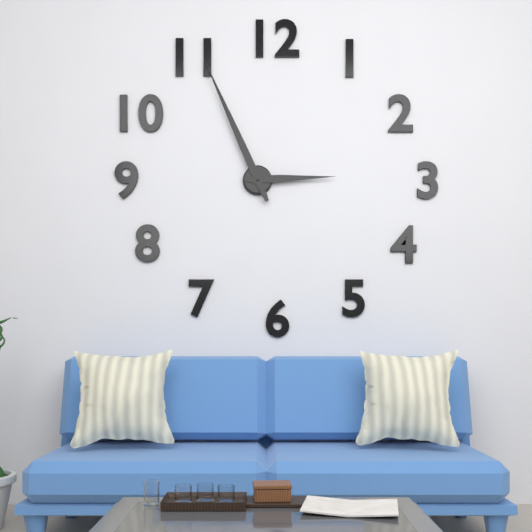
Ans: 2:56
